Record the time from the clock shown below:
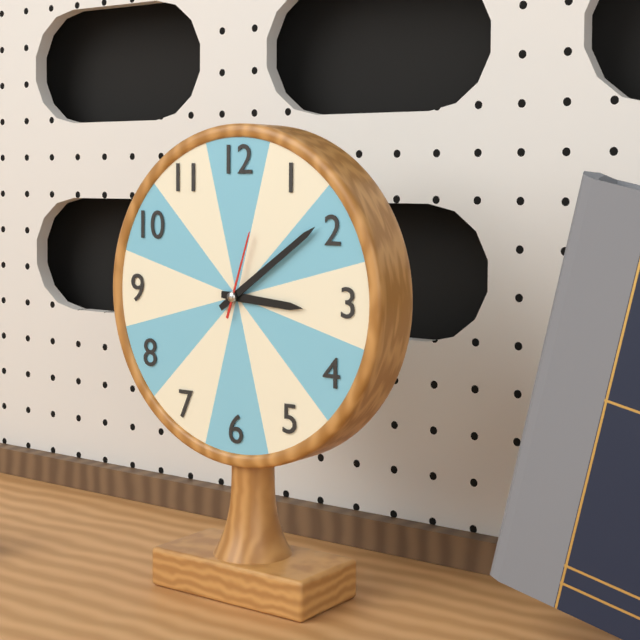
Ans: 3:09:03
